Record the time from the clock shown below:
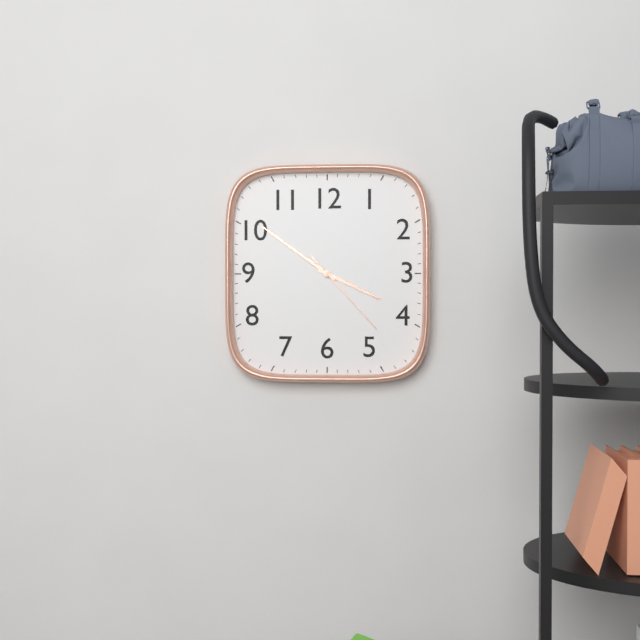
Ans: 3:51:23
